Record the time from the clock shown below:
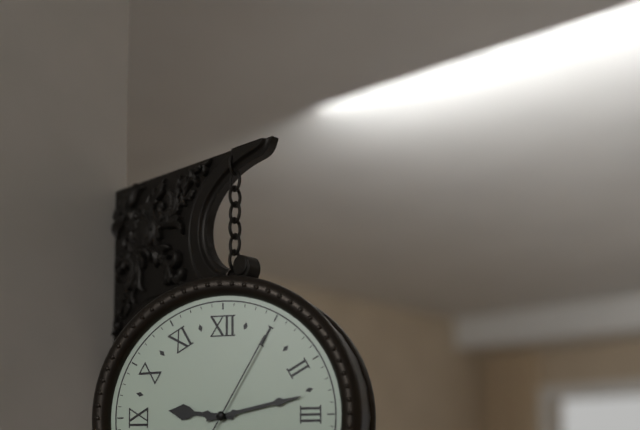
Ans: 9:13:05
